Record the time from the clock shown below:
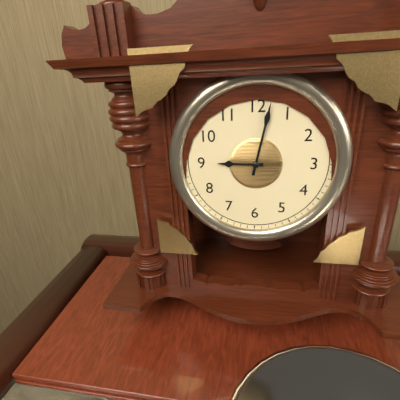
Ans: 9:02
